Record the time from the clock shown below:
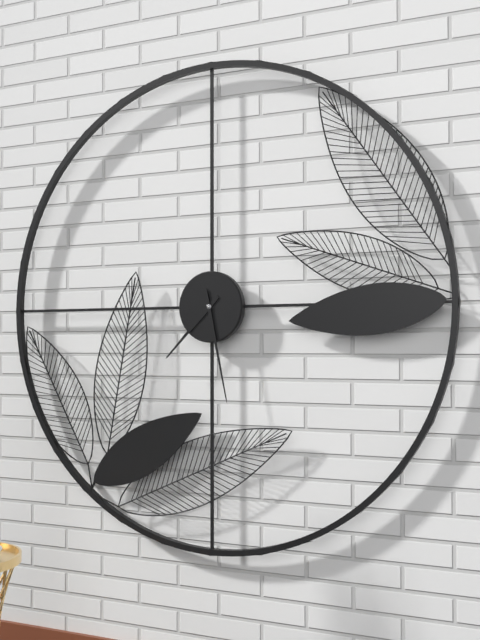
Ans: 7:28
